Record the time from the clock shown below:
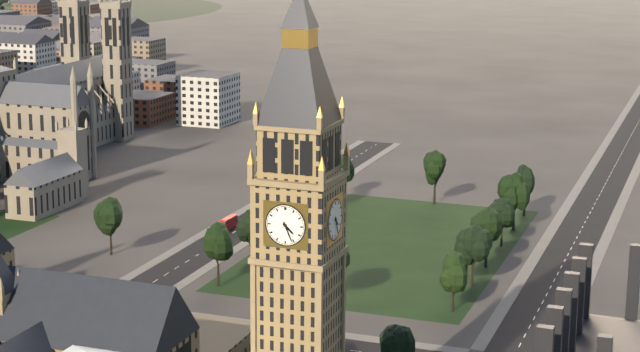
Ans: 4:26
